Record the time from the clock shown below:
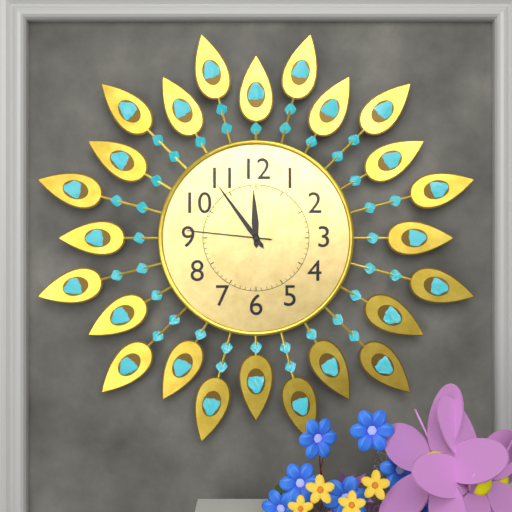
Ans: 11:54:46
